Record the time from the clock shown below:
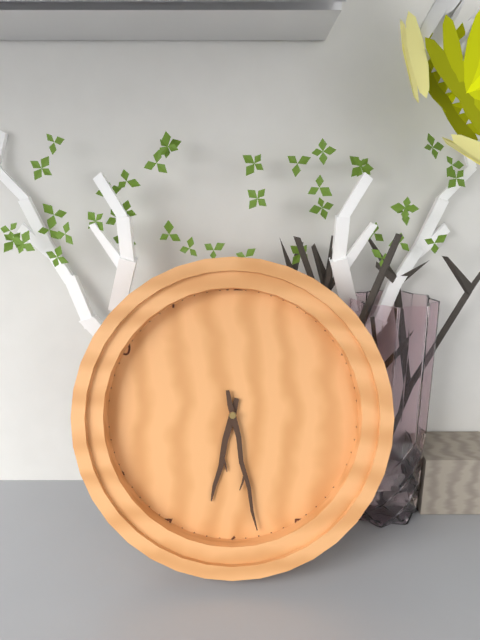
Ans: 6:28
